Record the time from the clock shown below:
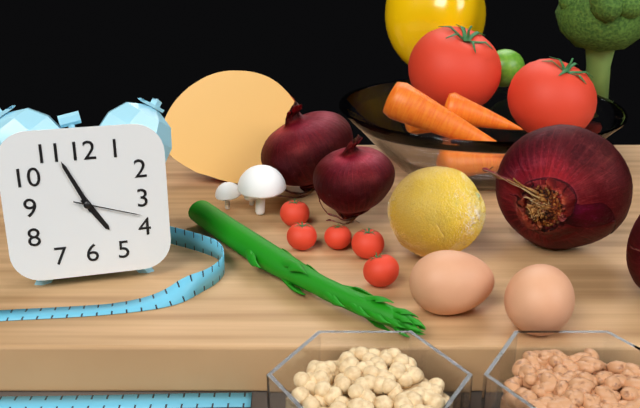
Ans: 4:56:18
